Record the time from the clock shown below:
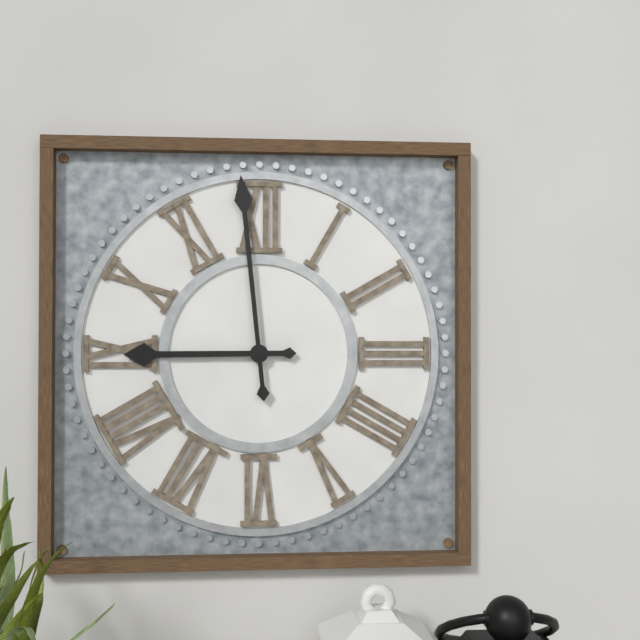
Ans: 8:59
